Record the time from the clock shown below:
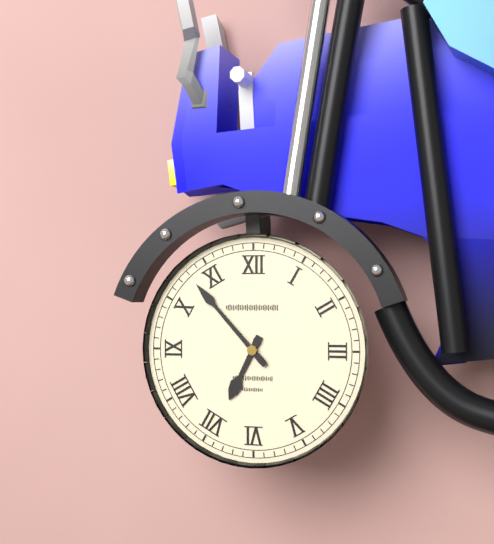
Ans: 6:53
